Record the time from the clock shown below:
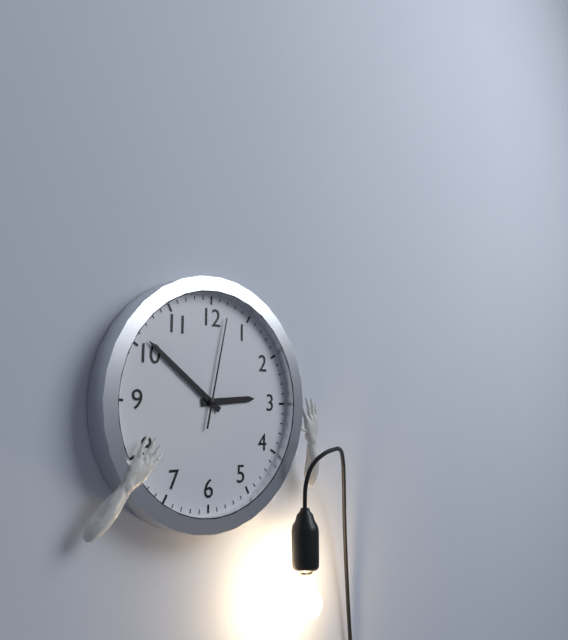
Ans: 2:51:02
